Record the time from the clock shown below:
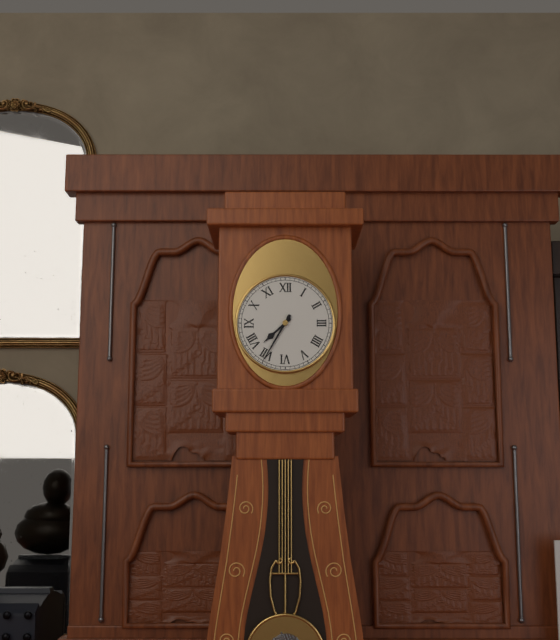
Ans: 7:35
